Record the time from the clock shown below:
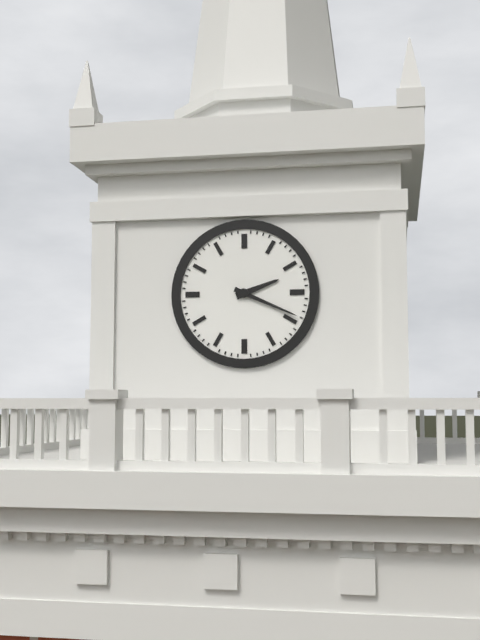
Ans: 2:19
